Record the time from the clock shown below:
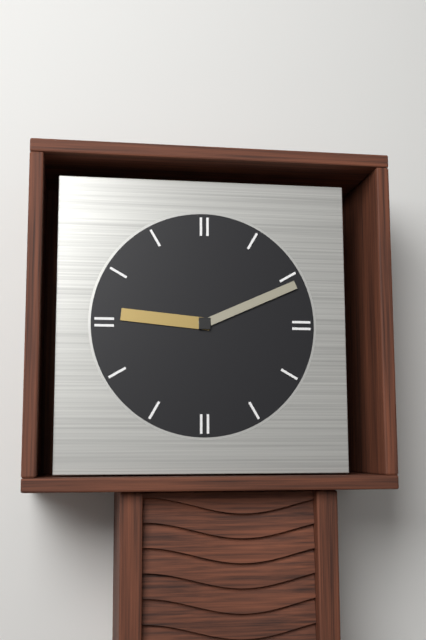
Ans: 9:11
